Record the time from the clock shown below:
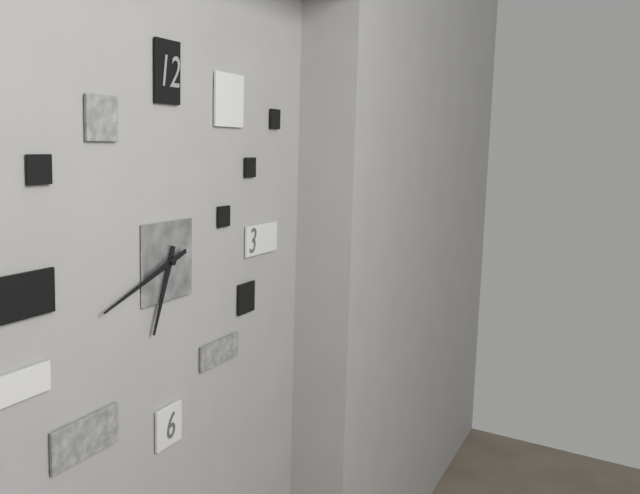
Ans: 6:42
